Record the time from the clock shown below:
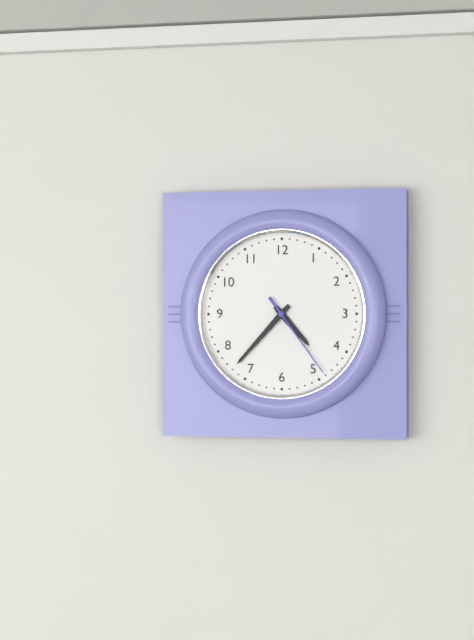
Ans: 4:37:24
